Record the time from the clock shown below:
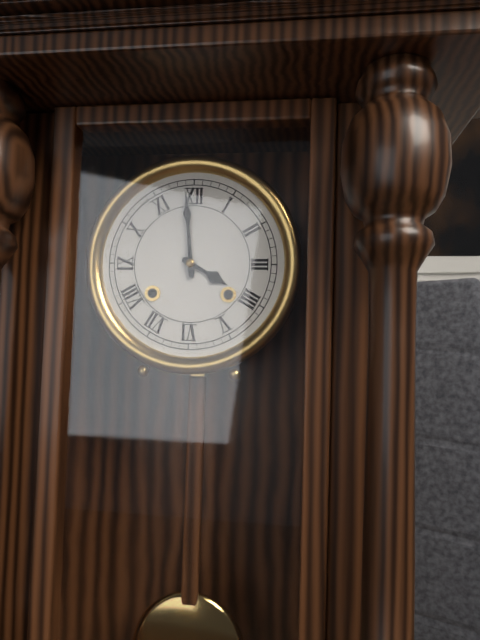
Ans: 3:59
